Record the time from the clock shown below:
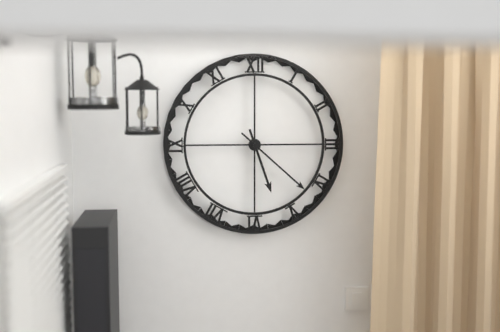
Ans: 5:22
